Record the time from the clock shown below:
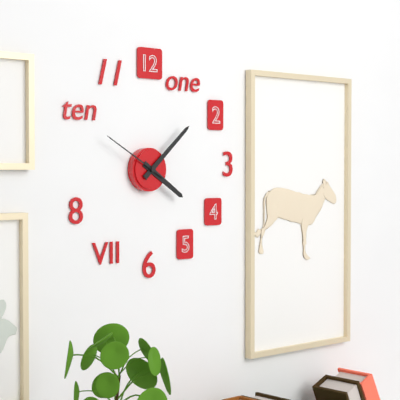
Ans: 4:08:50
